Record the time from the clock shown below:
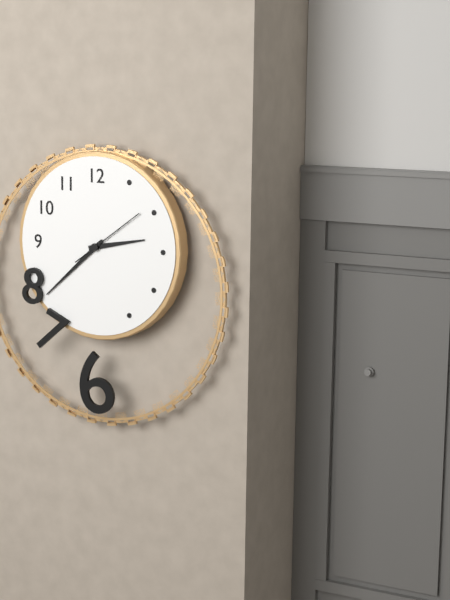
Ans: 2:38:09
